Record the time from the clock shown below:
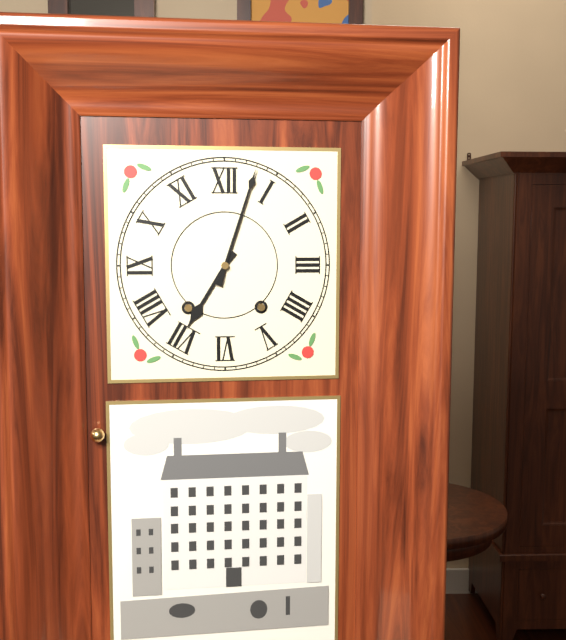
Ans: 7:03
